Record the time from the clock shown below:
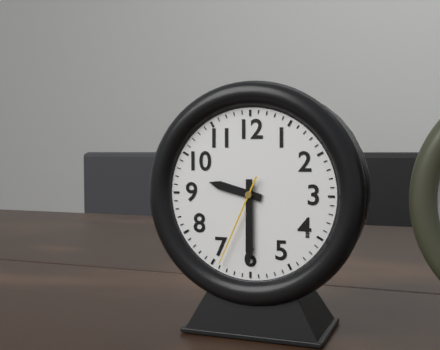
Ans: 9:30:34
